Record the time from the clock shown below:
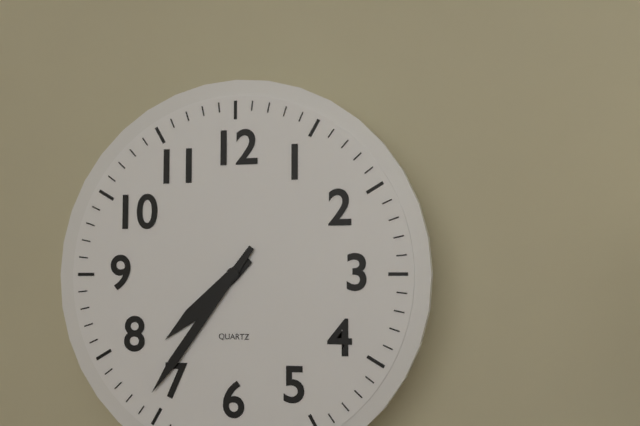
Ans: 7:36
